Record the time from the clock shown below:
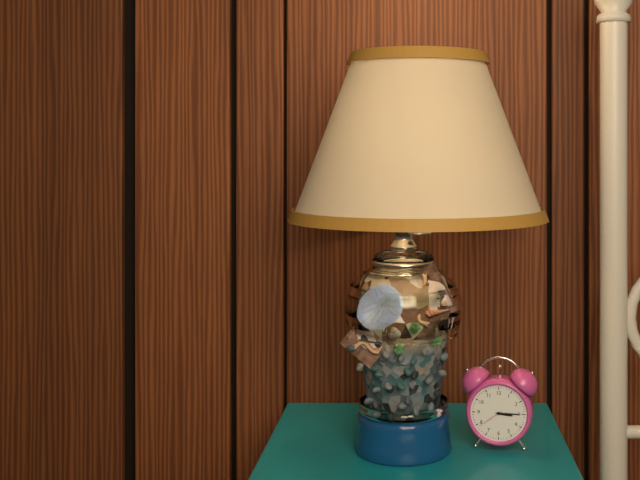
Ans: 3:15
